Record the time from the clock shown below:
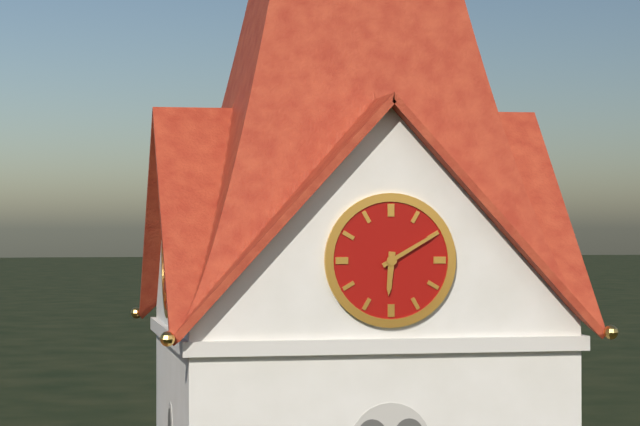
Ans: 6:10
